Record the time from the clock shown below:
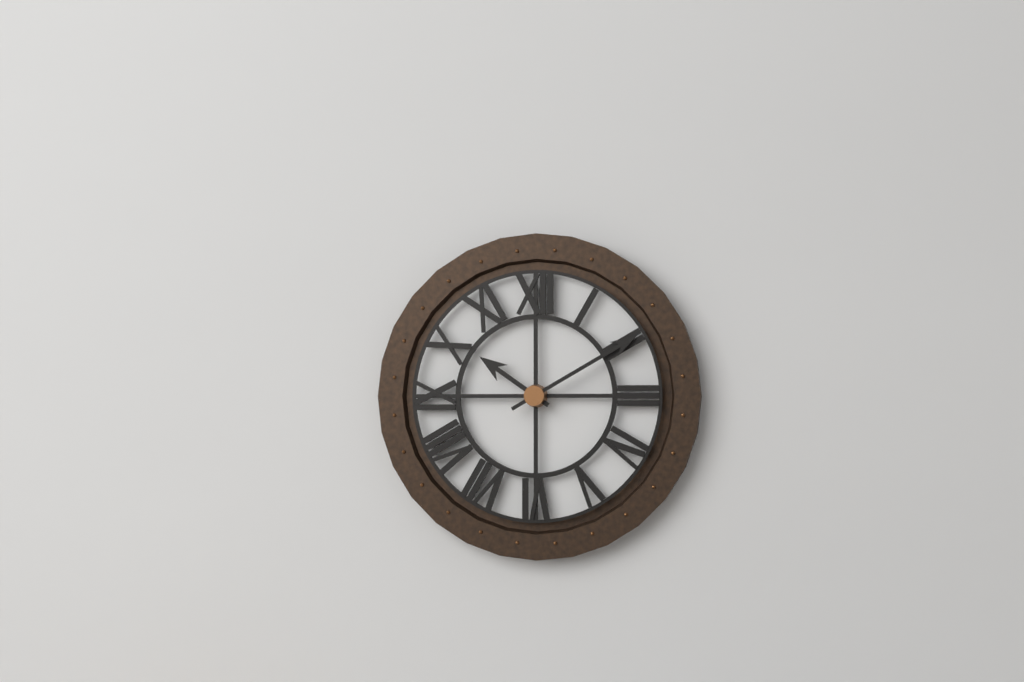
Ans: 10:10
